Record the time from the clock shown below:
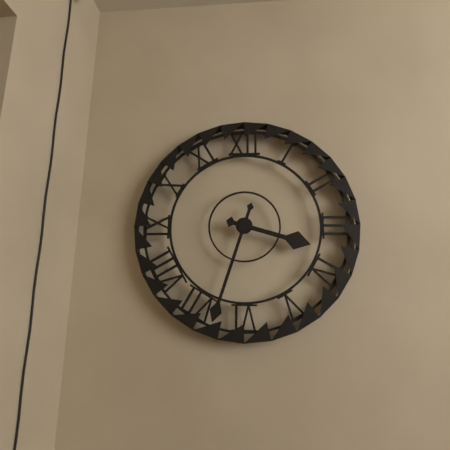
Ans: 3:33
